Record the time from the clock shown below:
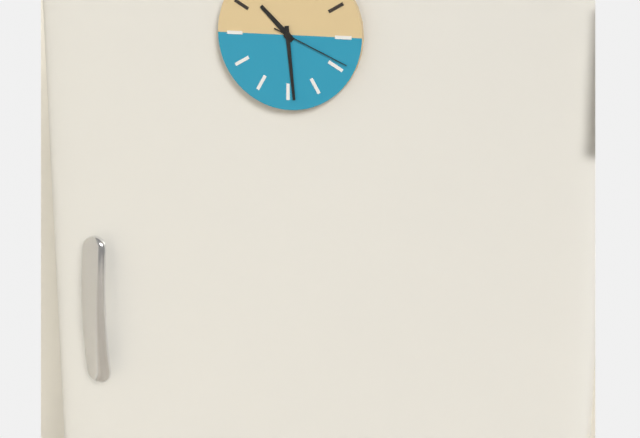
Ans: 10:29:19
